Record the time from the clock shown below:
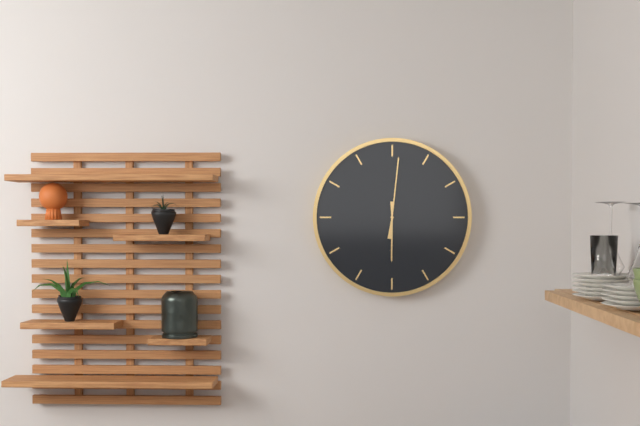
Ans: 6:01
